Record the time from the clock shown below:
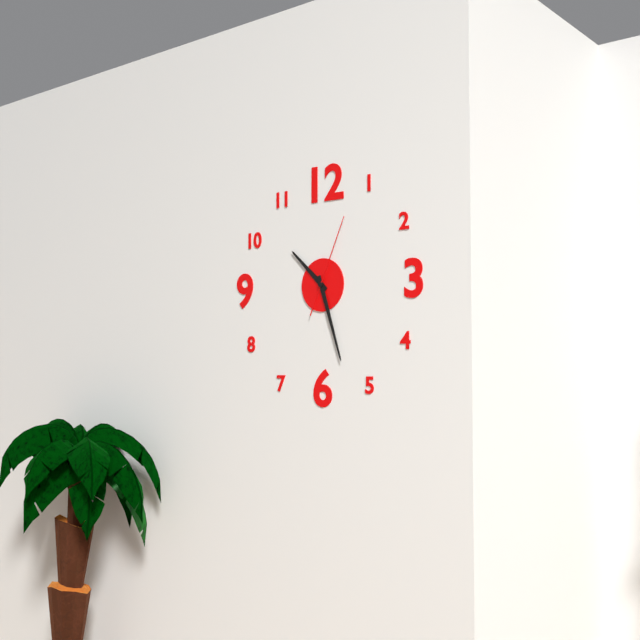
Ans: 10:27:04
